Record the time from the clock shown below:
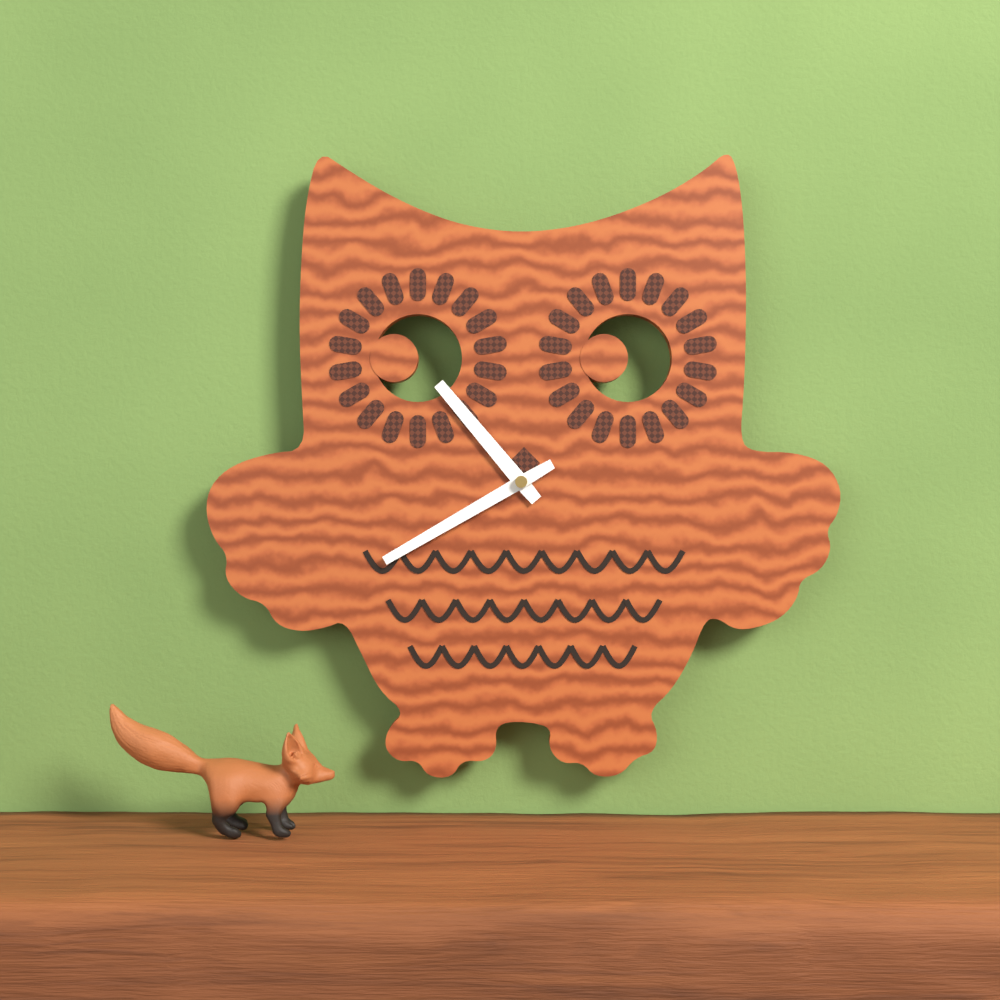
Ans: 10:40
